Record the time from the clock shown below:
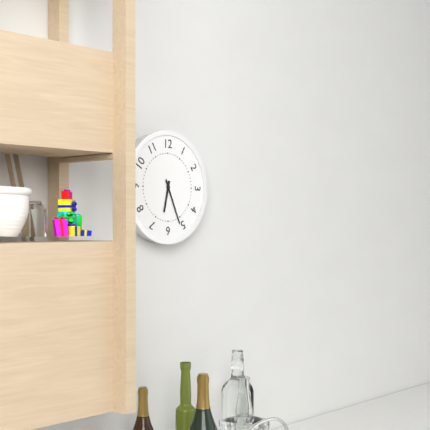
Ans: 6:26
